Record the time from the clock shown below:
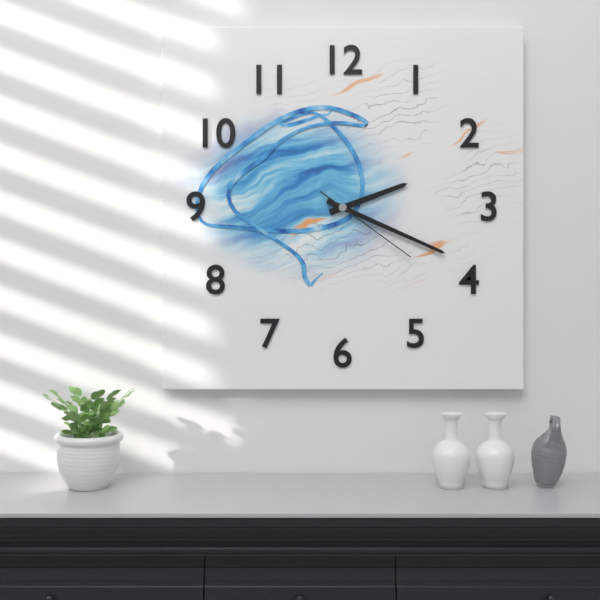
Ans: 2:19:21
